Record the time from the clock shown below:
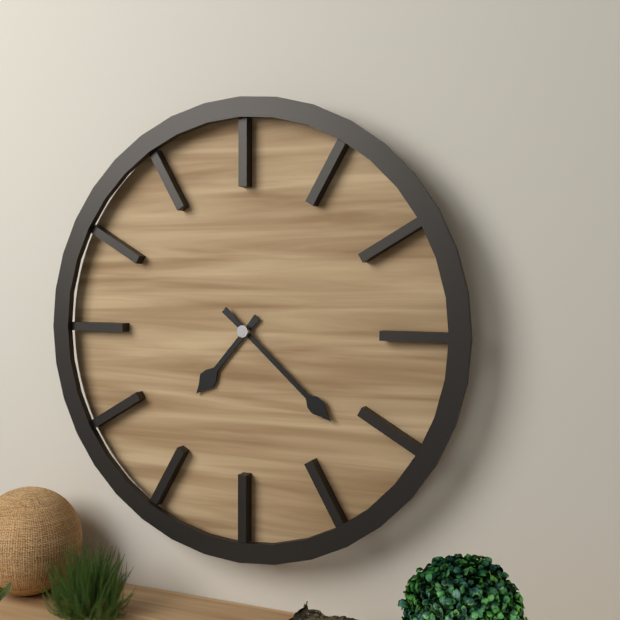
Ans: 7:22
